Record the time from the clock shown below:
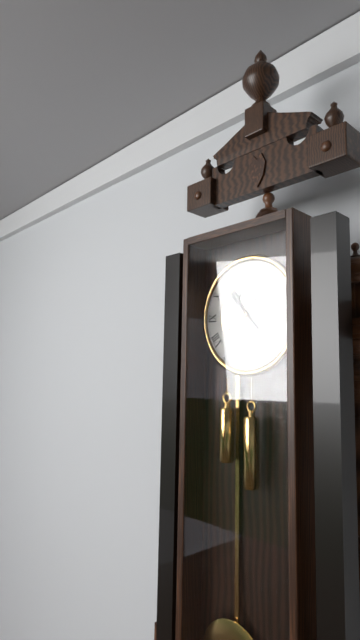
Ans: 10:53
